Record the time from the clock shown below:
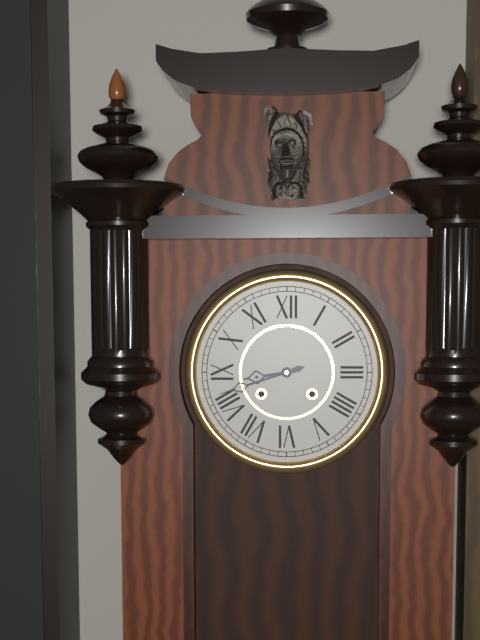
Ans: 8:42
